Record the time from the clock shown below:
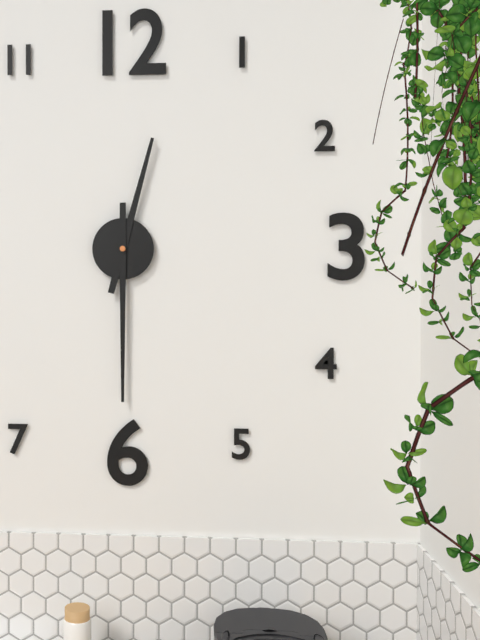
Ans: 12:30
